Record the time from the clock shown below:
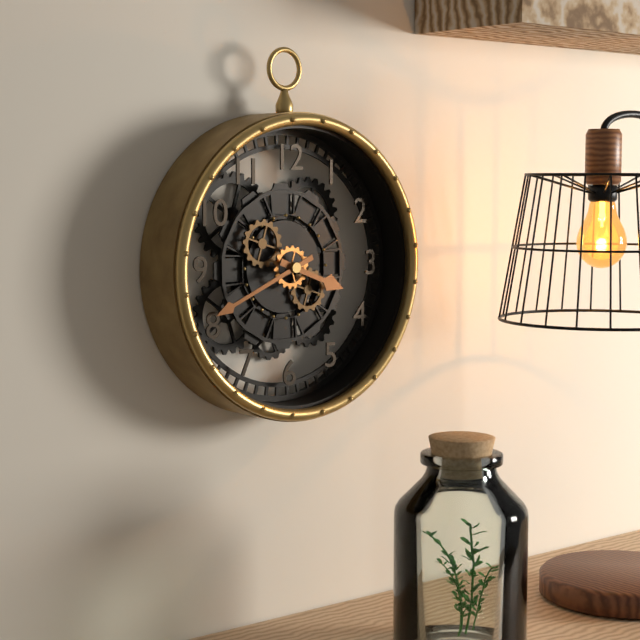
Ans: 3:41
